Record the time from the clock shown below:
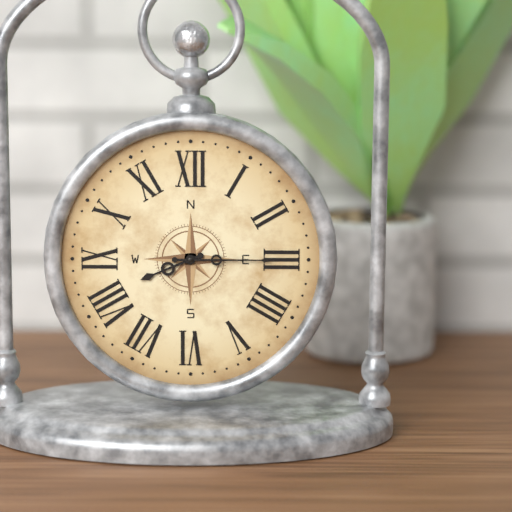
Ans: 8:15
